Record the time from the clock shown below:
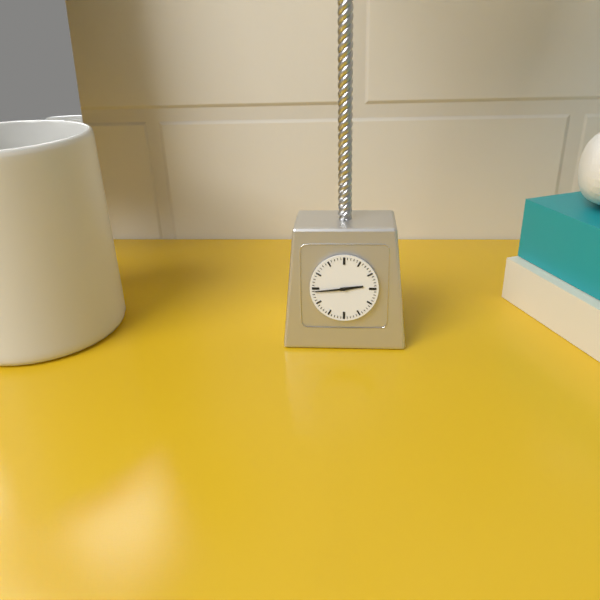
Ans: 2:44
